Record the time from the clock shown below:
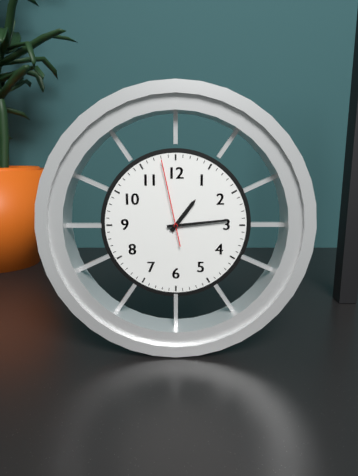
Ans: 1:14:58
